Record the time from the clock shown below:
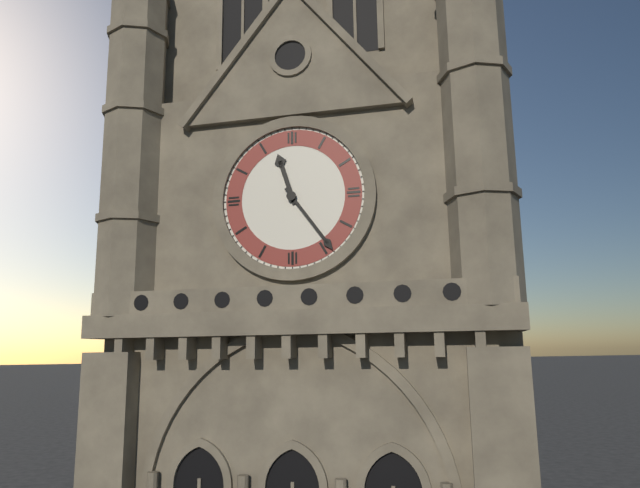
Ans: 11:24
